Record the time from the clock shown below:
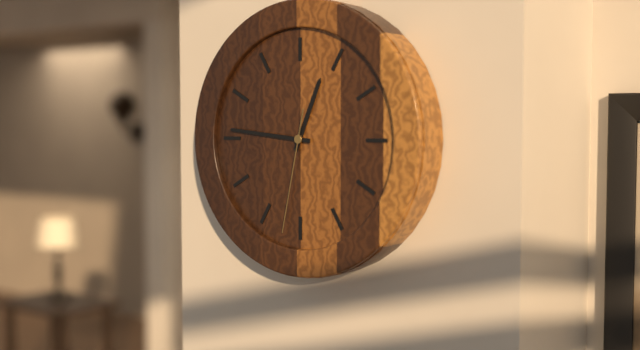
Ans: 12:46:32
